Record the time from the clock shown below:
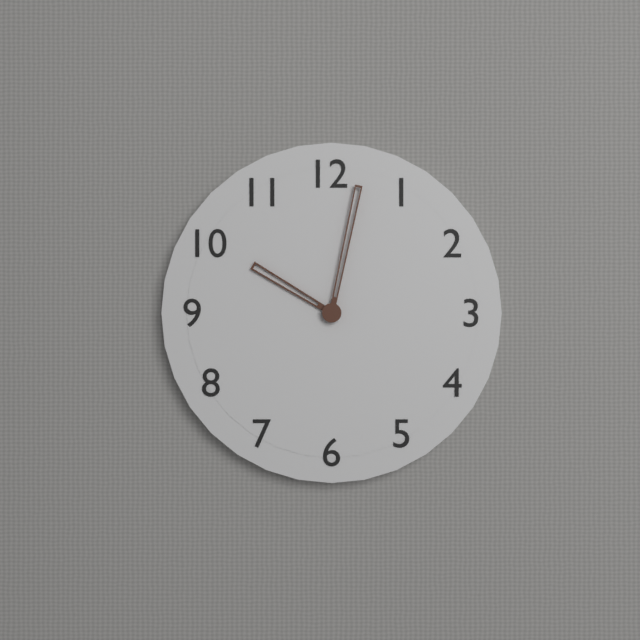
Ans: 10:02
